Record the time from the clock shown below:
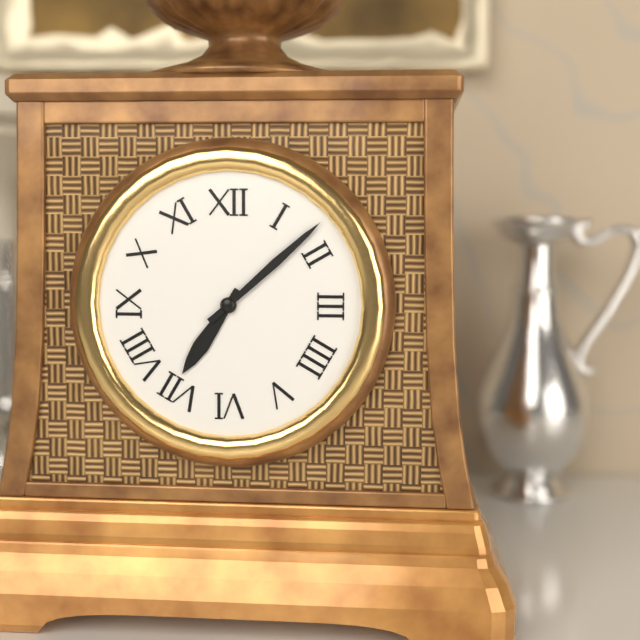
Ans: 7:08
